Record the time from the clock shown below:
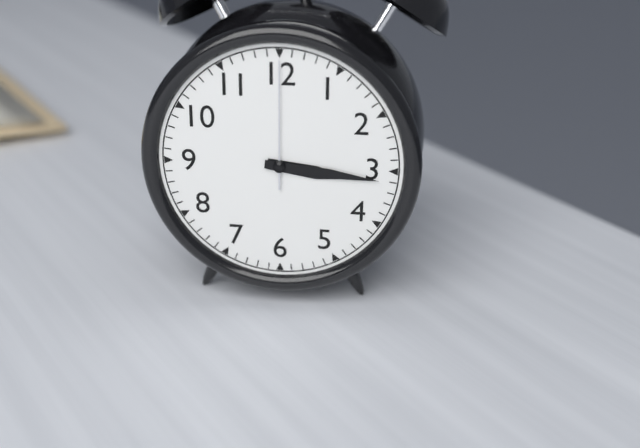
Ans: 3:16:00
